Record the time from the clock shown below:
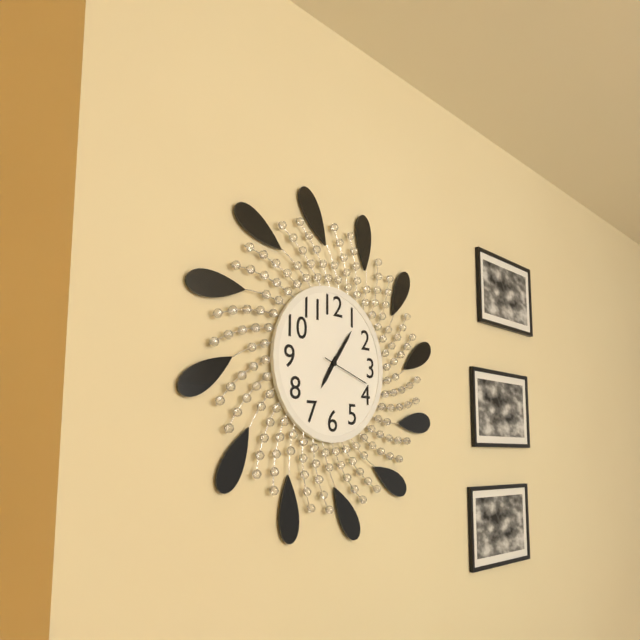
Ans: 7:06
